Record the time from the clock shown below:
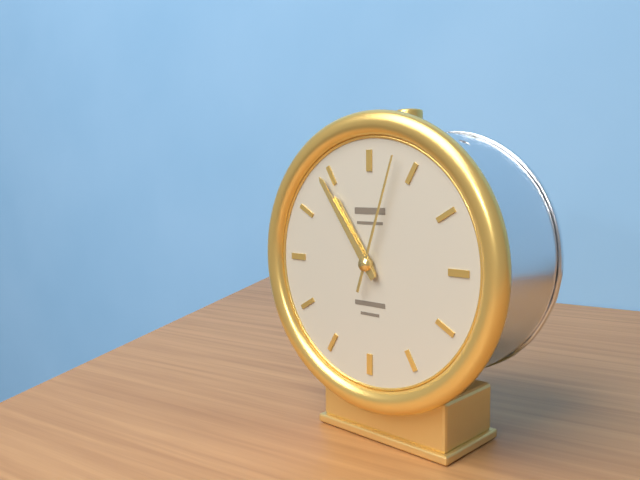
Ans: 10:54:03
